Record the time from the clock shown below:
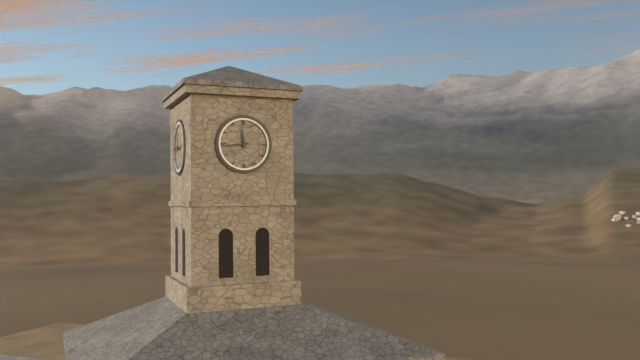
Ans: 11:44
